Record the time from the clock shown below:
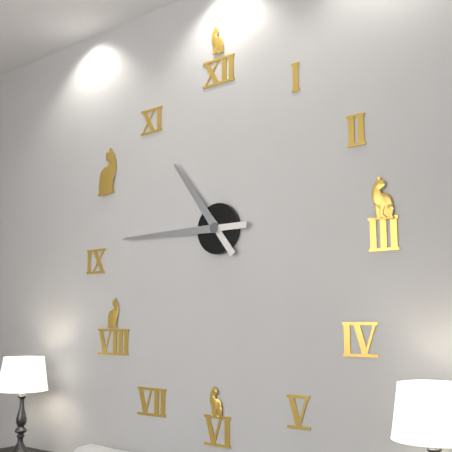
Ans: 10:45
